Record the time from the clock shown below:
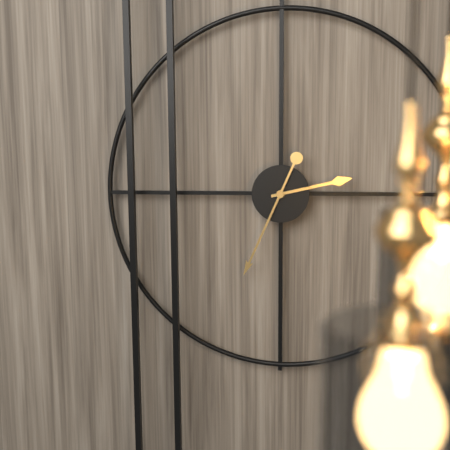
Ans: 2:34
